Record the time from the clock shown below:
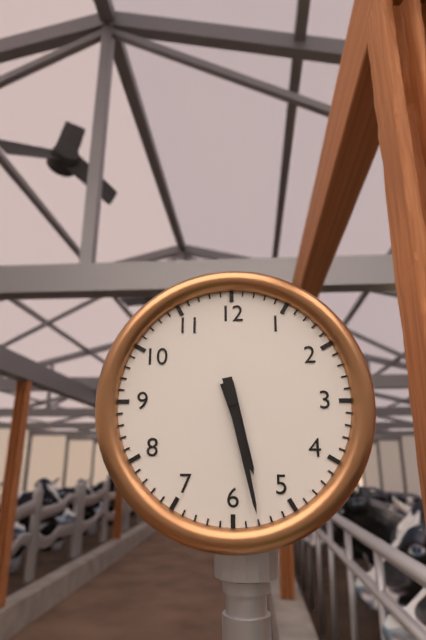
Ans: 5:28
